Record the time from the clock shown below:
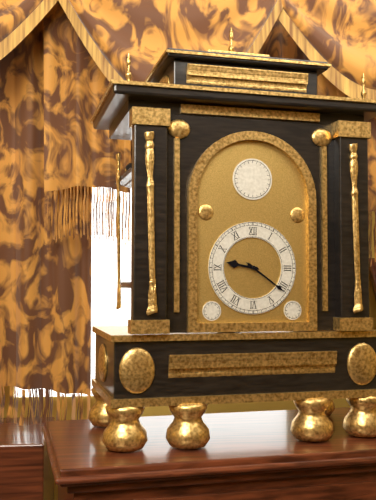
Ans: 9:21
